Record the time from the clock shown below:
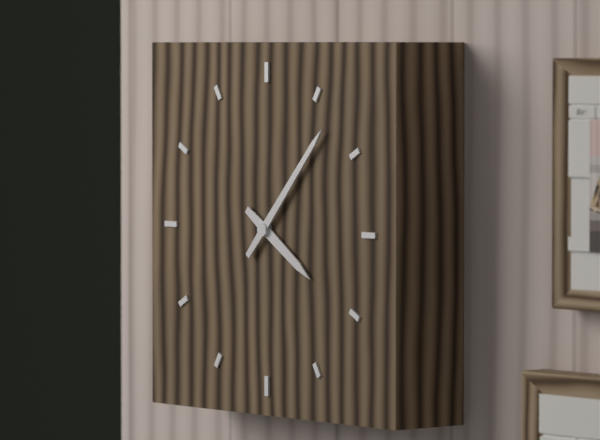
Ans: 4:07
